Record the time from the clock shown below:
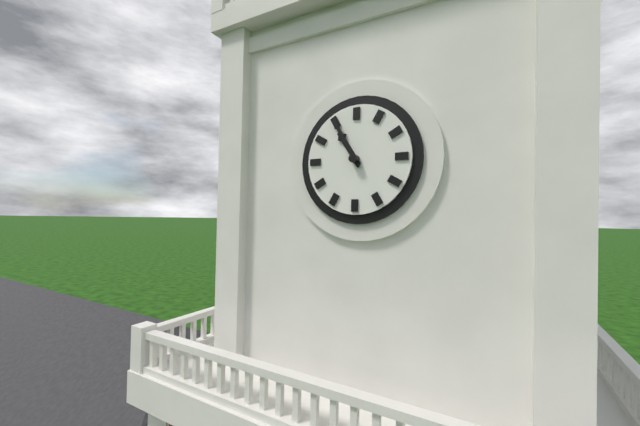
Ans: 10:55
